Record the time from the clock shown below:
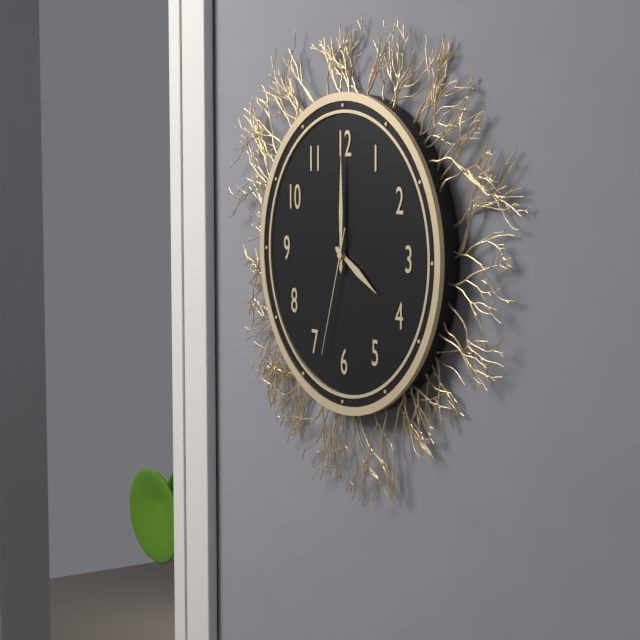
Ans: 4:00:33
